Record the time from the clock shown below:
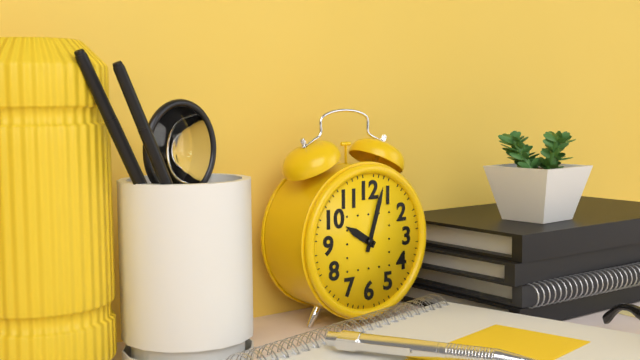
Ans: 10:03
